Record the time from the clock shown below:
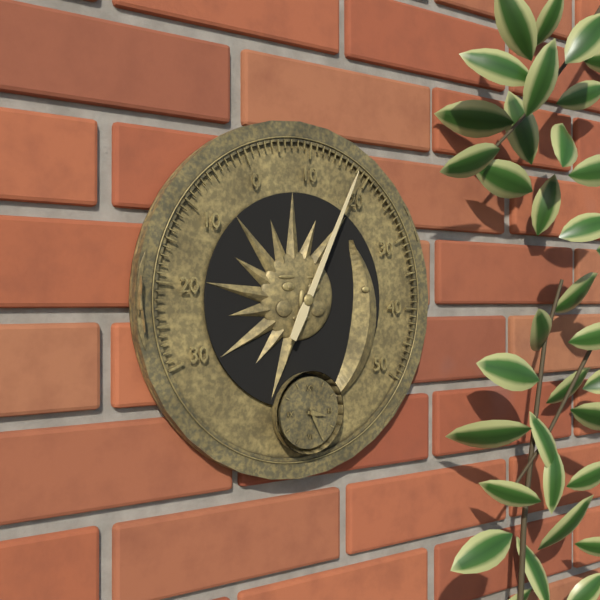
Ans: 3:26
